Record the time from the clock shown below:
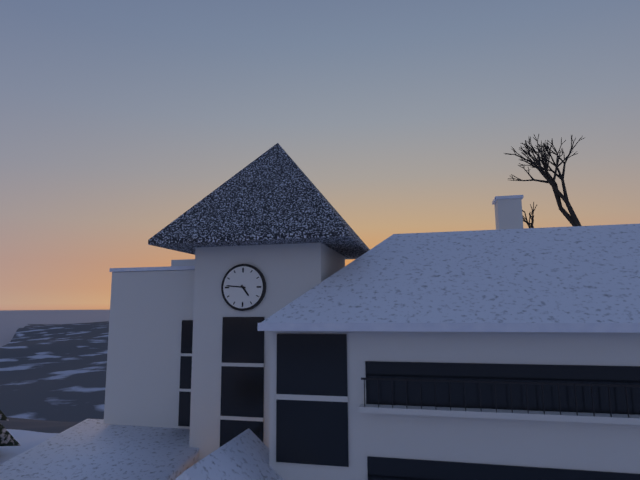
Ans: 4:46
